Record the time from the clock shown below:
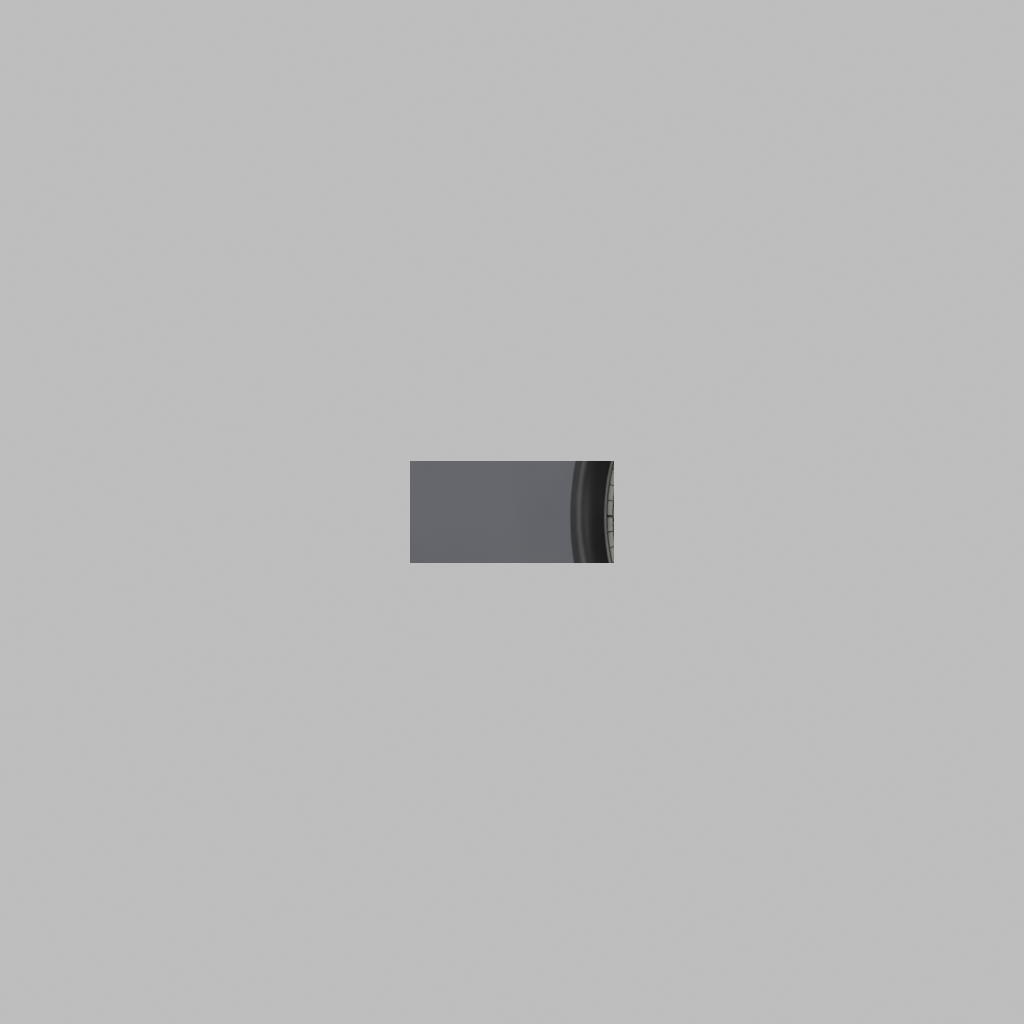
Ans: 8:48
